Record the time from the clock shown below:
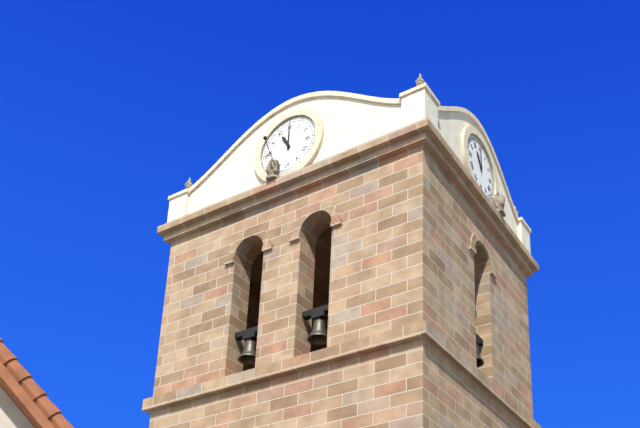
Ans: 11:00
